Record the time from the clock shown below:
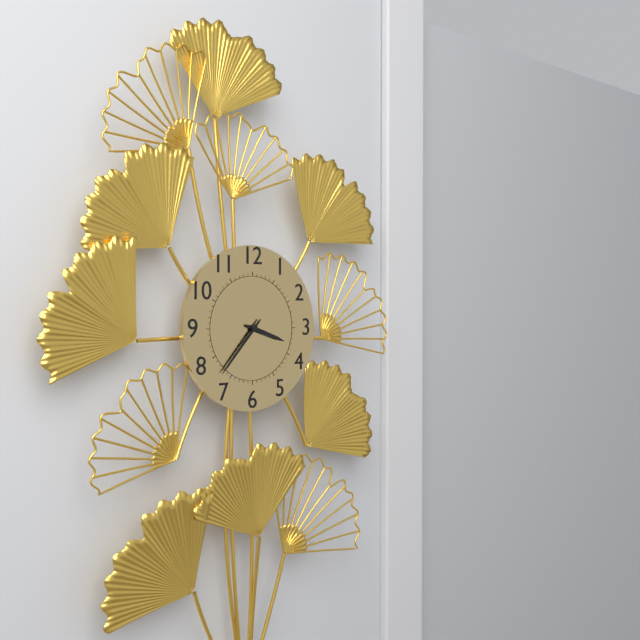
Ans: 3:37
